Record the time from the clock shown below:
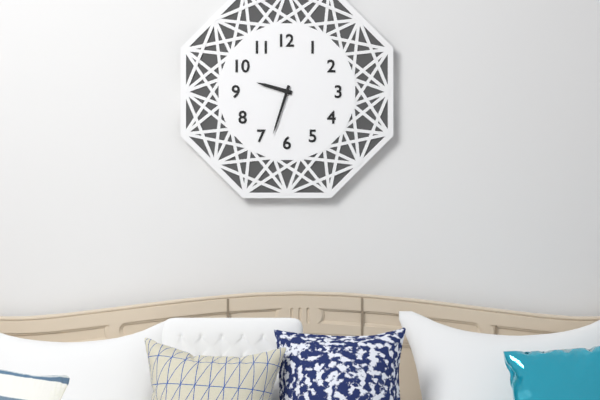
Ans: 9:33
